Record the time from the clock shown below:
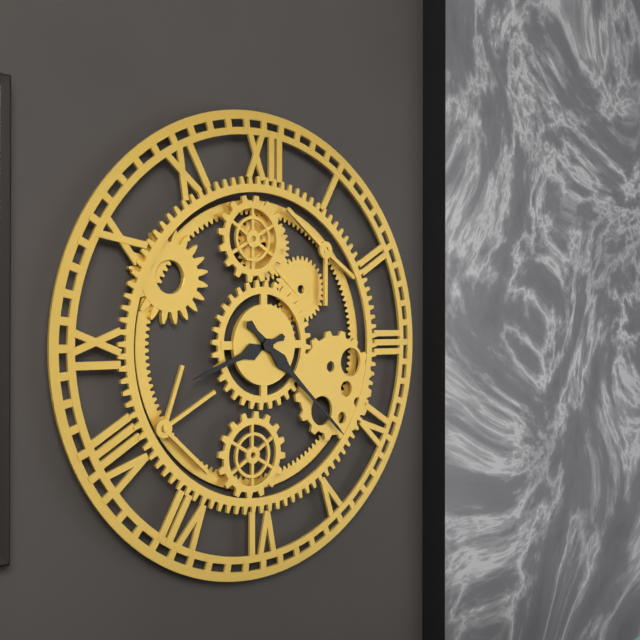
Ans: 8:22
